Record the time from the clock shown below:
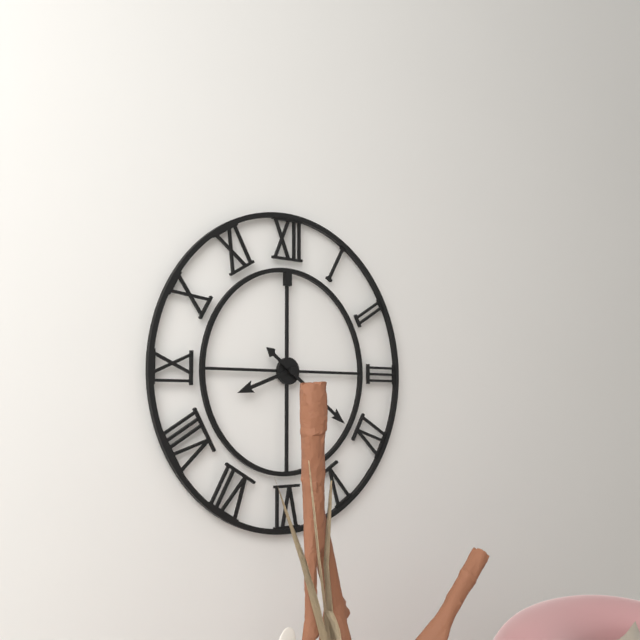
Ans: 8:21
